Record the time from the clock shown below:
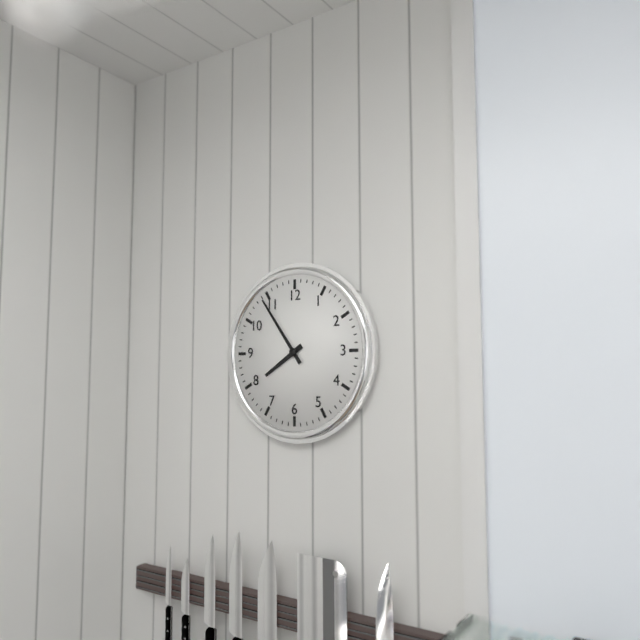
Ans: 7:54
